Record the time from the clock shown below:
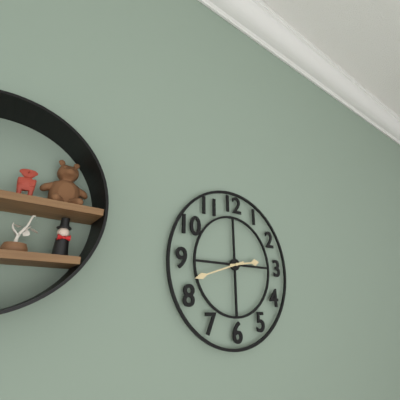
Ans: 2:42
